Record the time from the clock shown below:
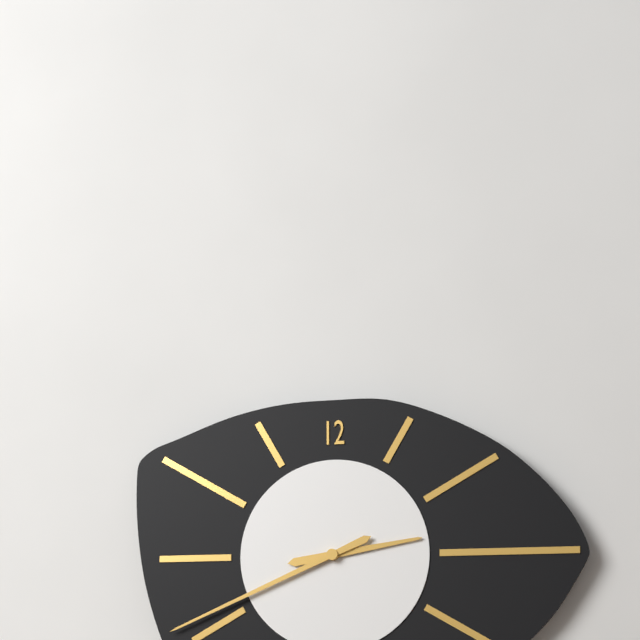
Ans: 2:41
